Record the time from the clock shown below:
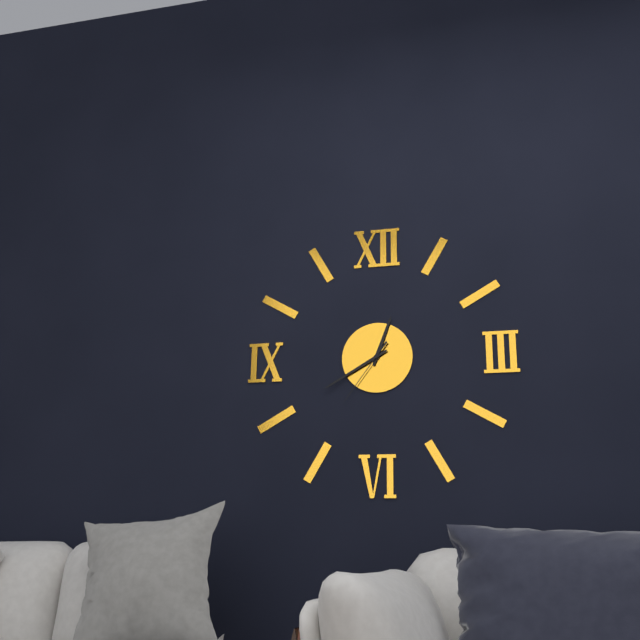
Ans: 12:40:36
